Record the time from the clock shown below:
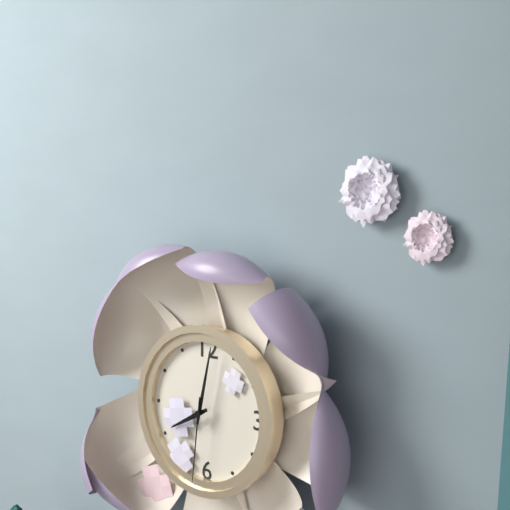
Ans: 8:02:31
